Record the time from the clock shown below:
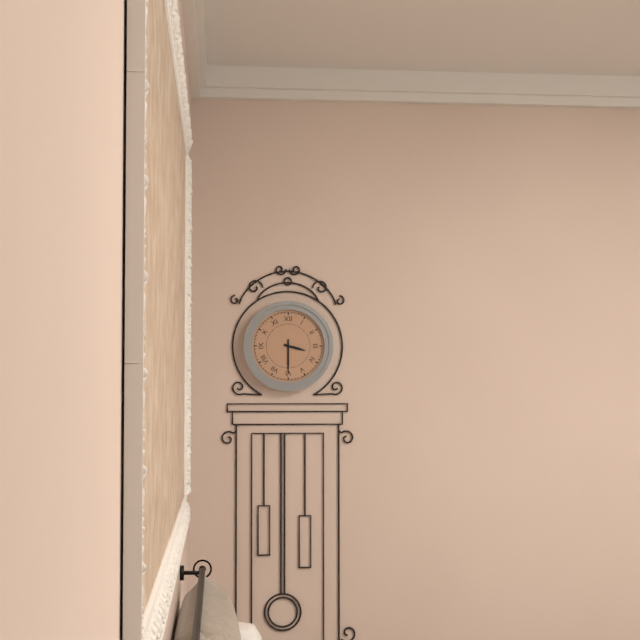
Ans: 3:30
